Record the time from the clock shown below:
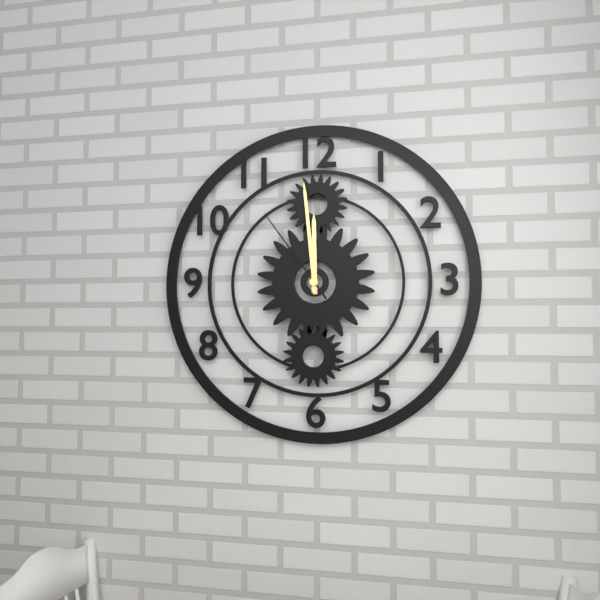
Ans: 11:59:54
